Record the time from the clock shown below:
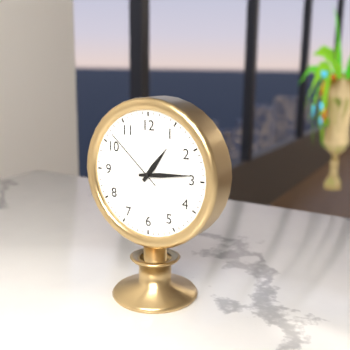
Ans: 1:14:52
